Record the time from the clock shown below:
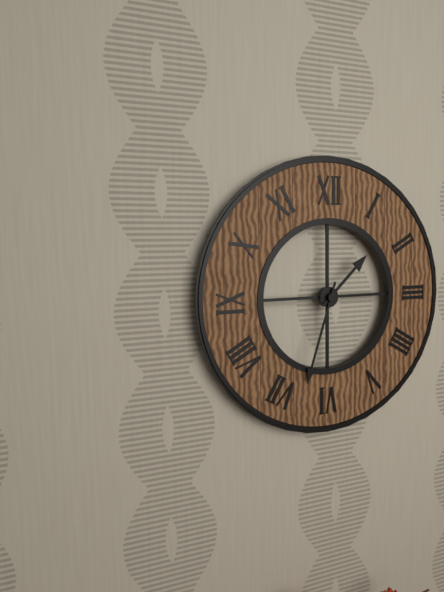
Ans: 1:33
